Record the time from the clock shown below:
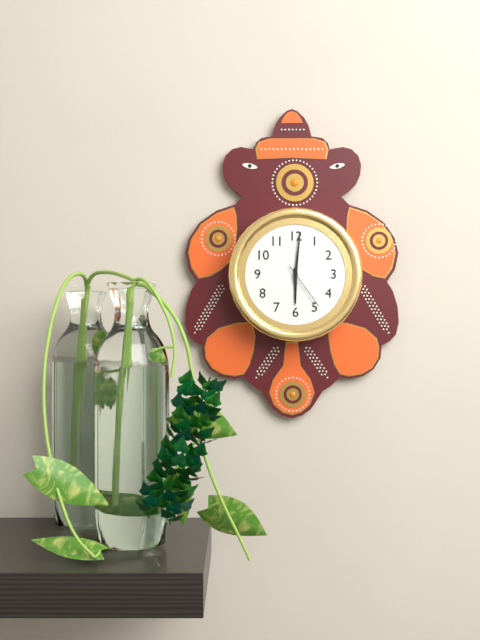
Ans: 6:01:24
